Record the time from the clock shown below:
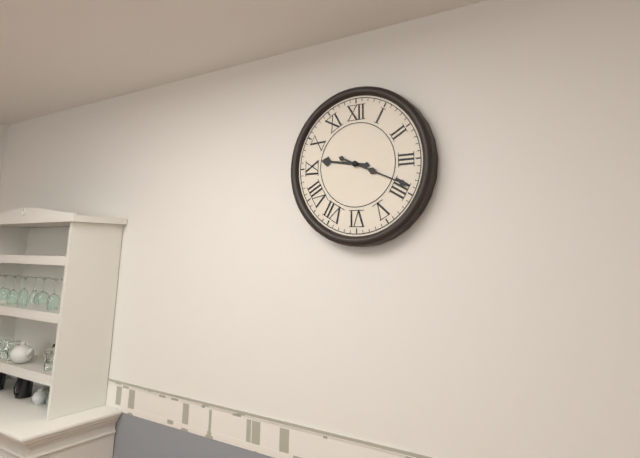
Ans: 9:19
